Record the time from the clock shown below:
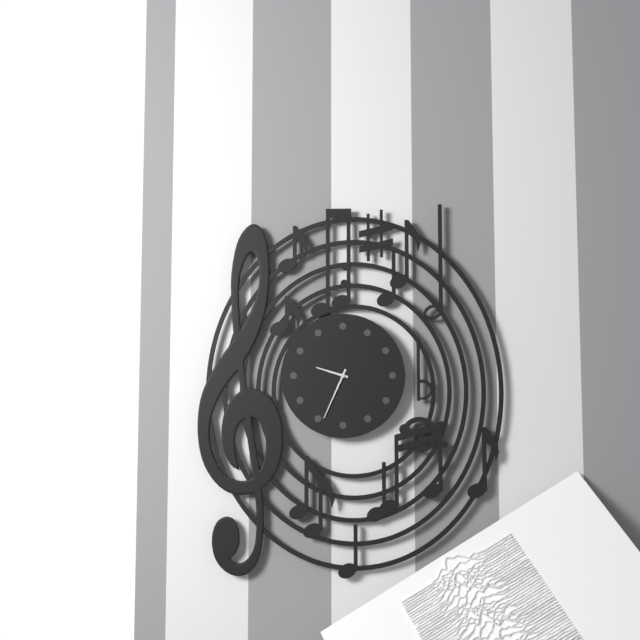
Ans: 9:34
